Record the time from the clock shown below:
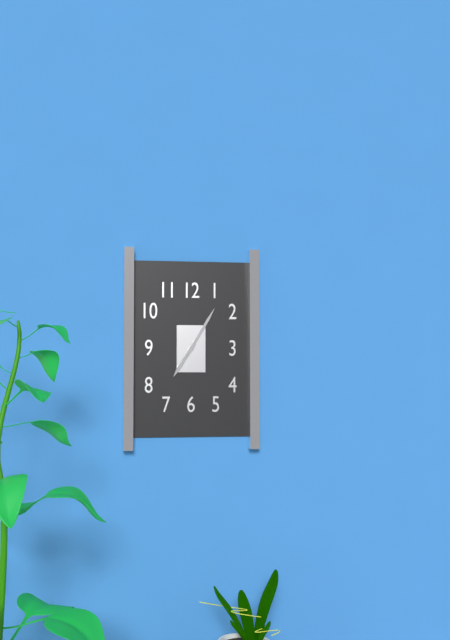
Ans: 7:05
